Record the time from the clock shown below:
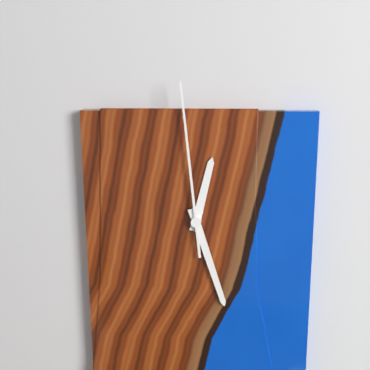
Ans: 12:27:59
